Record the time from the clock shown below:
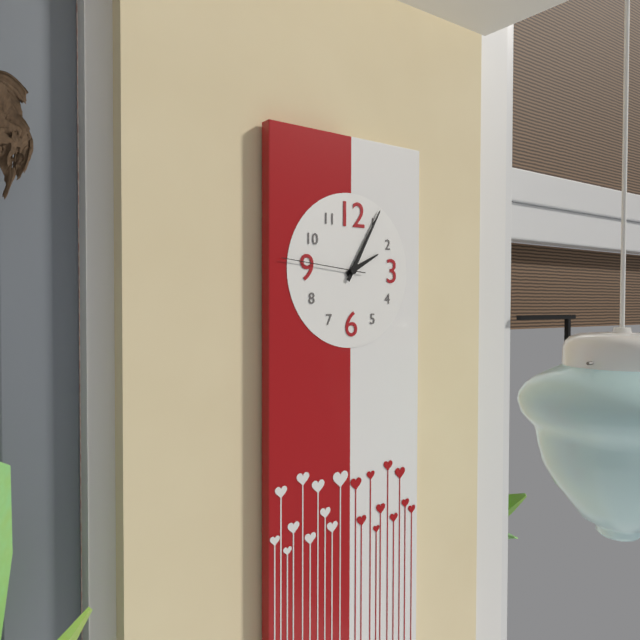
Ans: 2:05:46
